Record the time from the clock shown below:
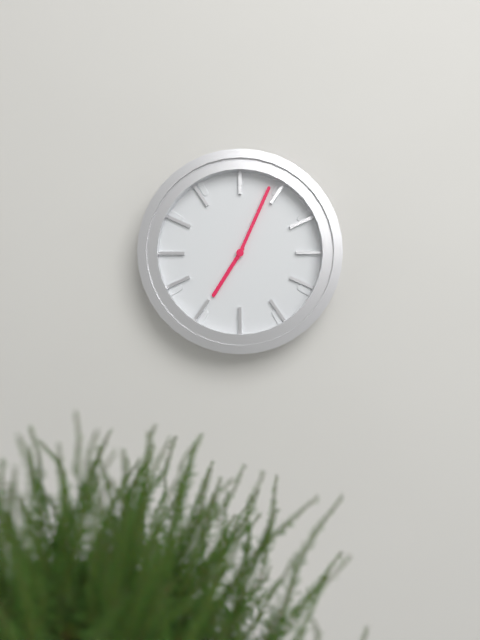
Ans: 7:04
